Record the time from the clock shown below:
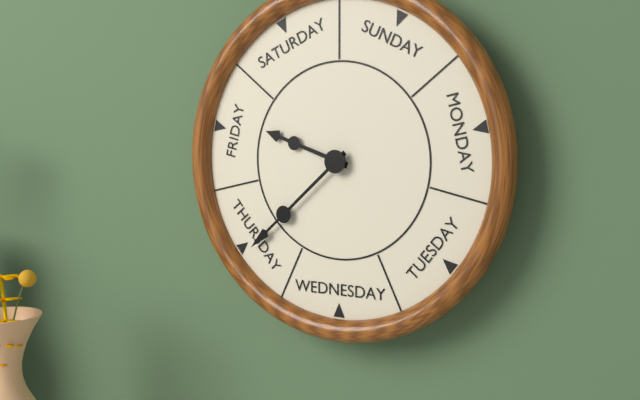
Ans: 9:38
